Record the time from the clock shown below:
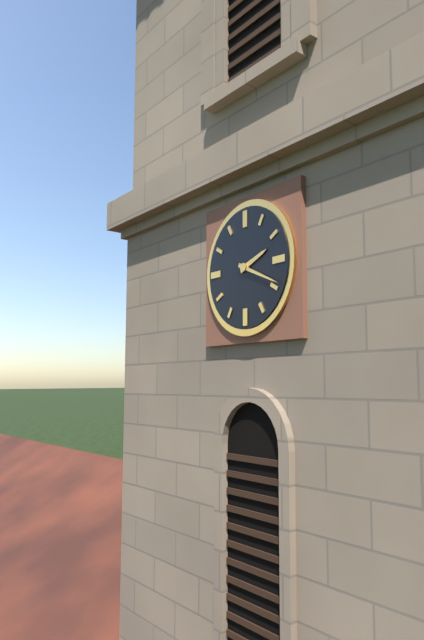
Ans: 2:19
